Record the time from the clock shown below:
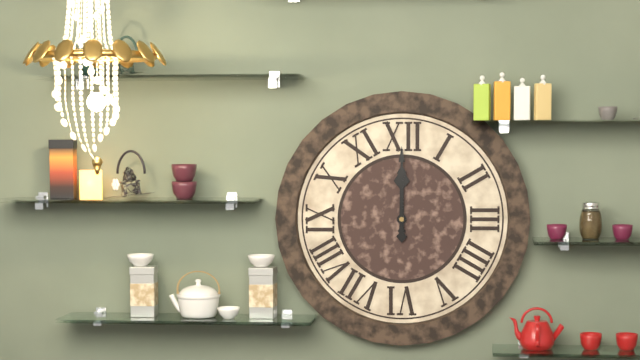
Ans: 12:00
